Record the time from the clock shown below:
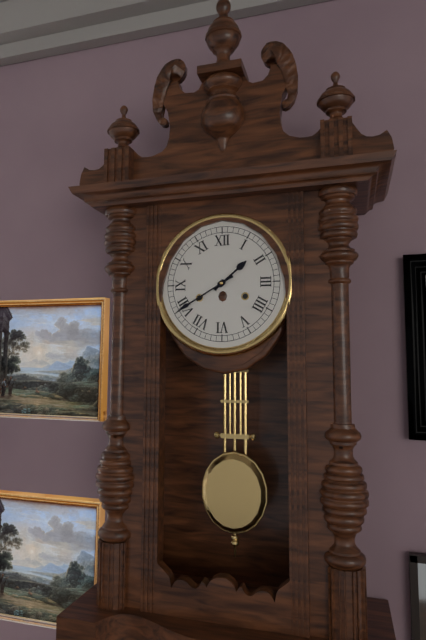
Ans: 1:40
